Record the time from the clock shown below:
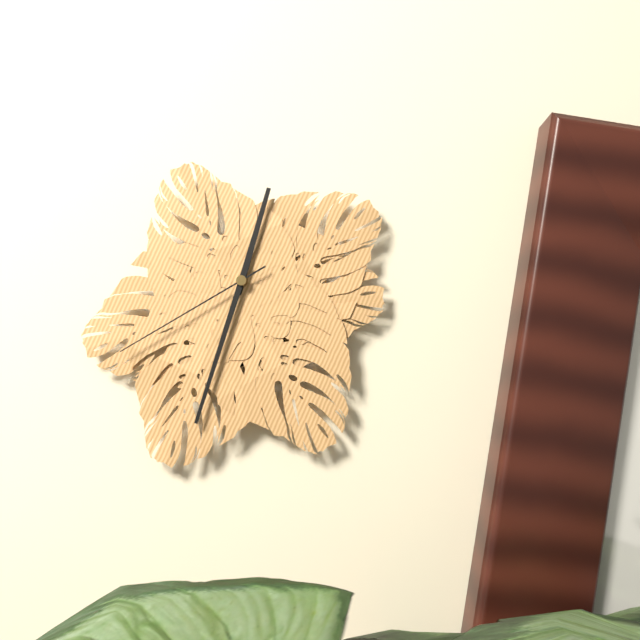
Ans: 12:33:40
